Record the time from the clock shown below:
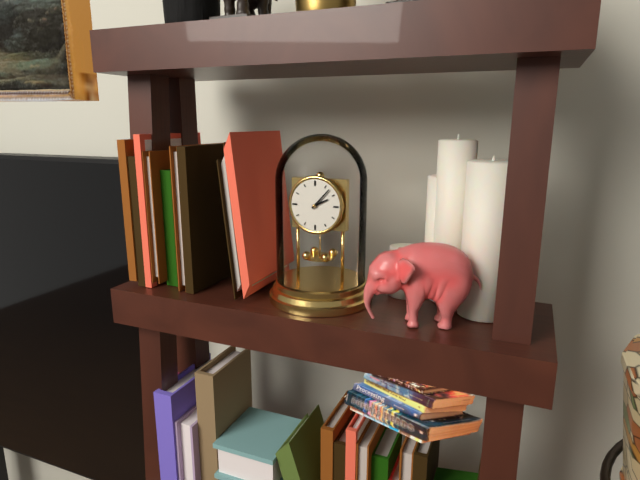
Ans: 2:07
